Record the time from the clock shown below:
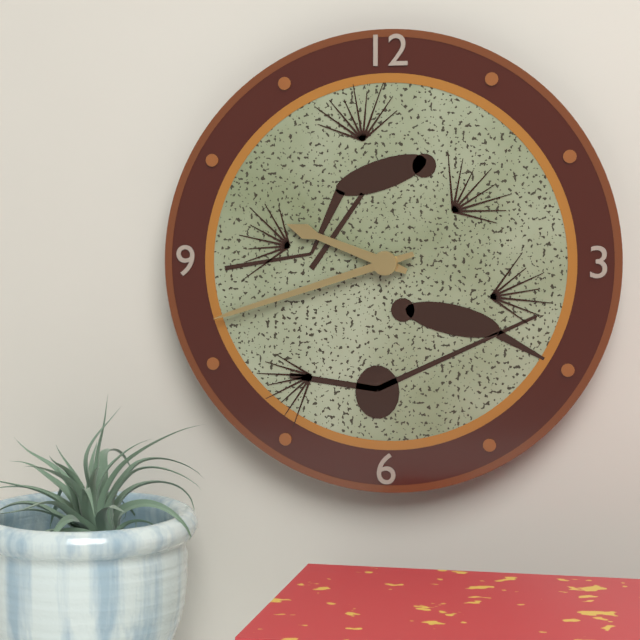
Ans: 9:42
